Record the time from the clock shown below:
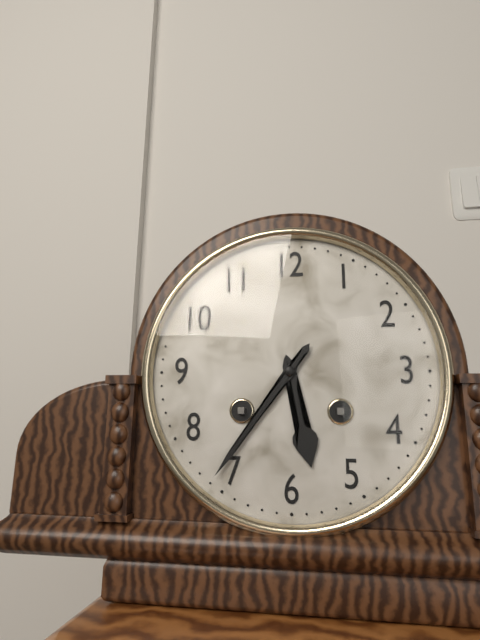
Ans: 5:36
